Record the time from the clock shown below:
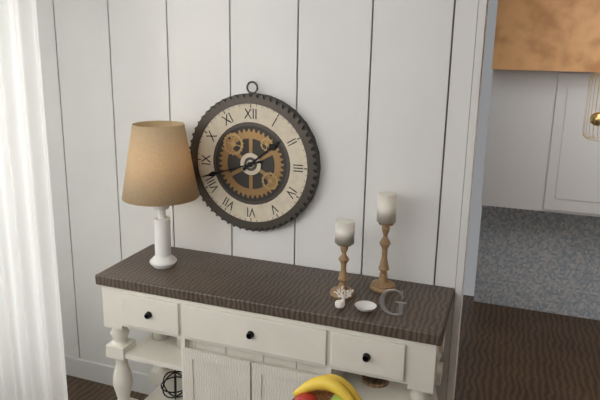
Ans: 1:42
